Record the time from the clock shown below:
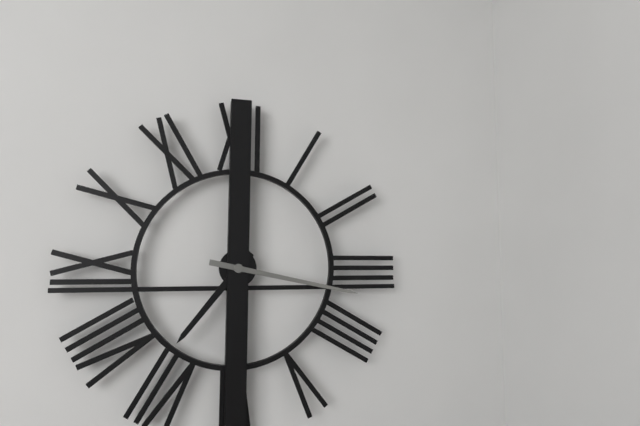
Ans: 7:17
